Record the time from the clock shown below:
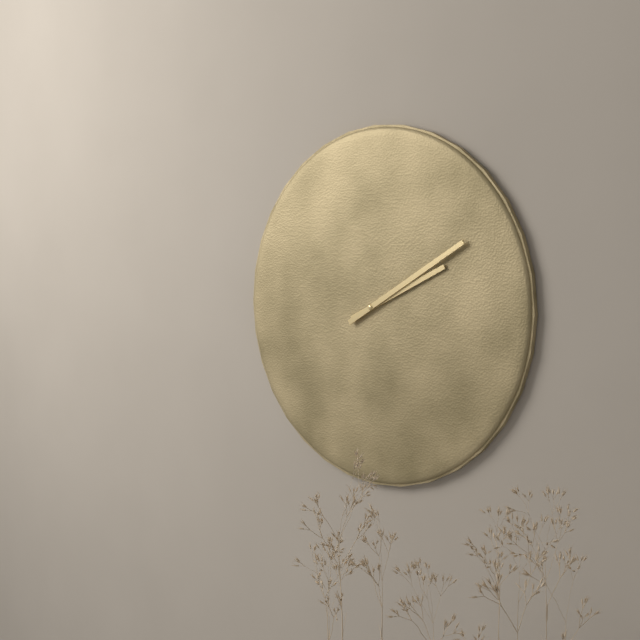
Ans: 2:10
